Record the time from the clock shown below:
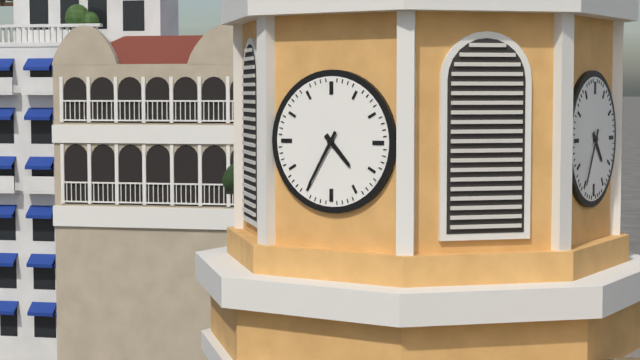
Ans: 4:35
